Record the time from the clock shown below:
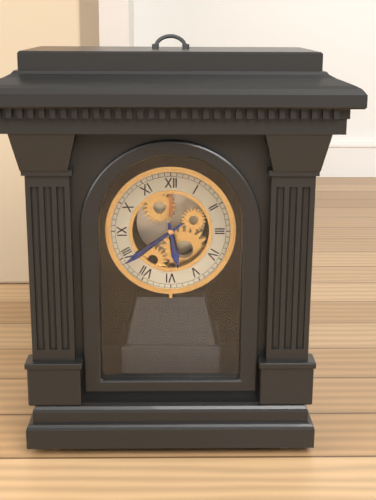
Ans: 5:39
